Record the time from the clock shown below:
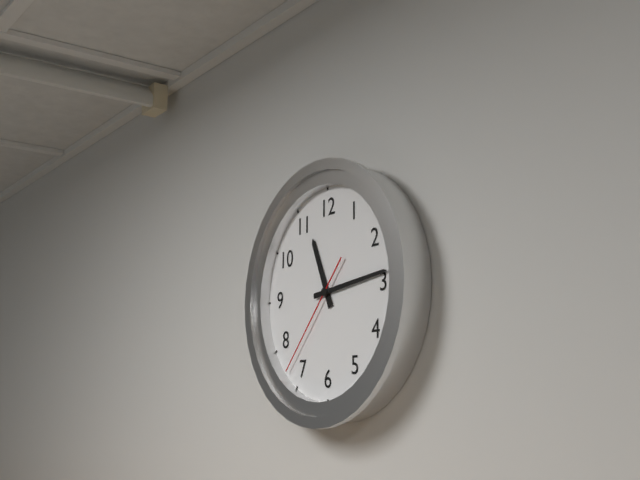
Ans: 11:14:37
